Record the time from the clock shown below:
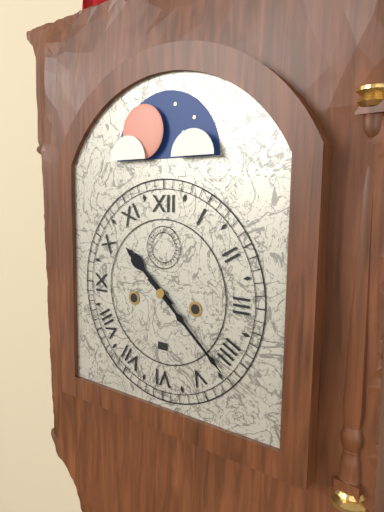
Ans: 10:22
